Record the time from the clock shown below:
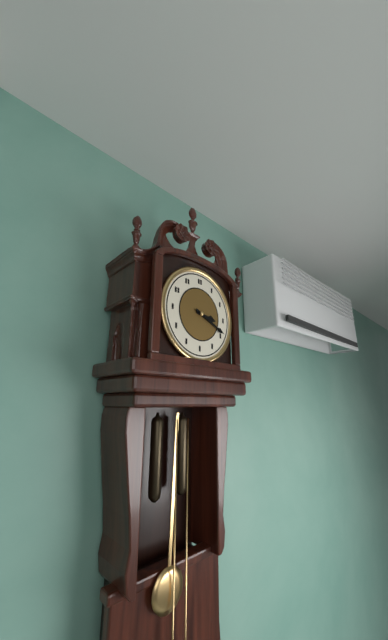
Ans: 3:19
